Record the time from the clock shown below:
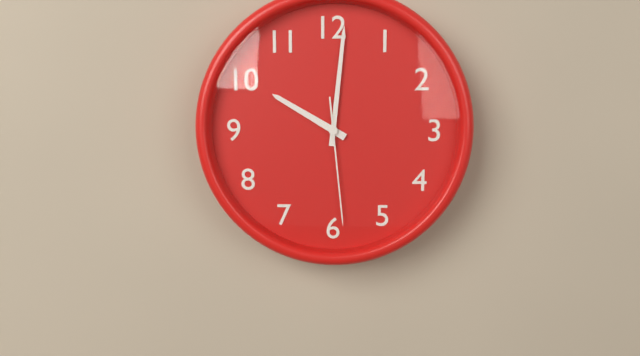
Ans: 10:01:29
